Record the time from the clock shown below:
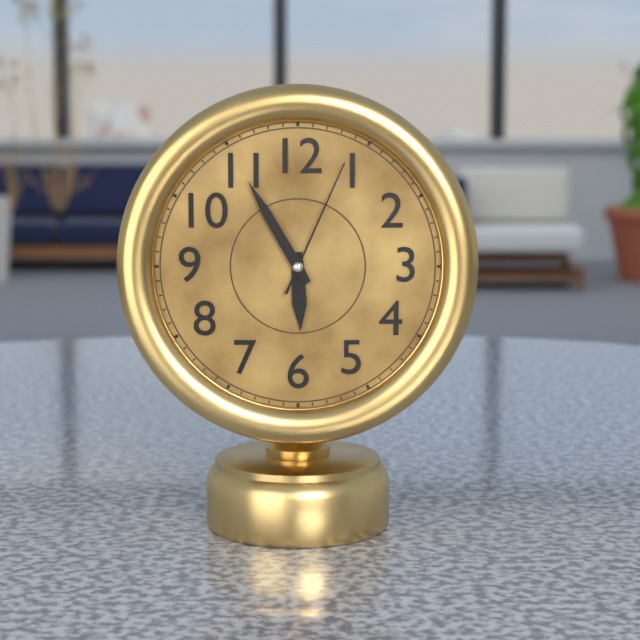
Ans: 5:55:04
